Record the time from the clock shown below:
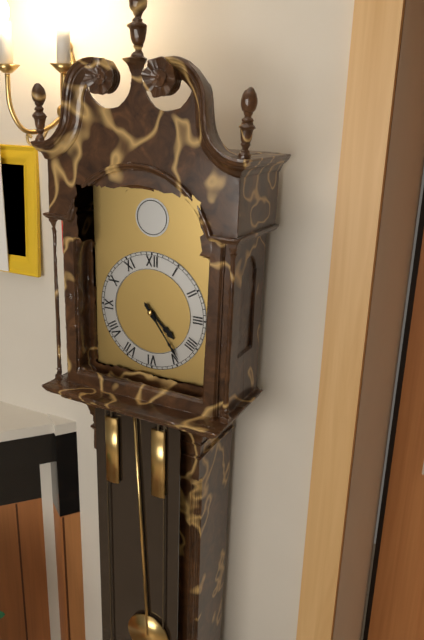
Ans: 4:24
